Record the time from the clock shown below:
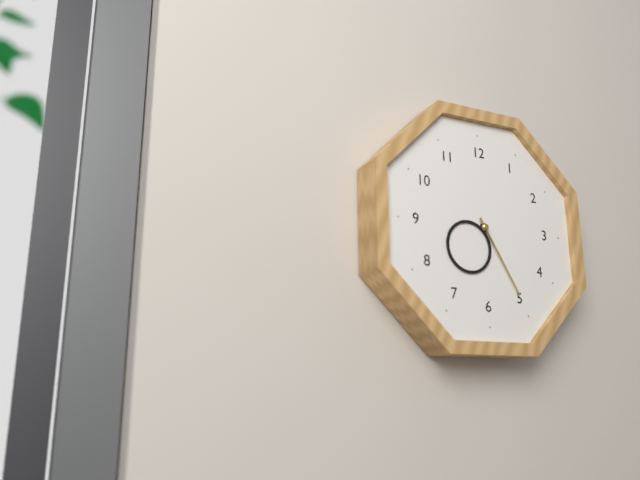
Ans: 7:25
